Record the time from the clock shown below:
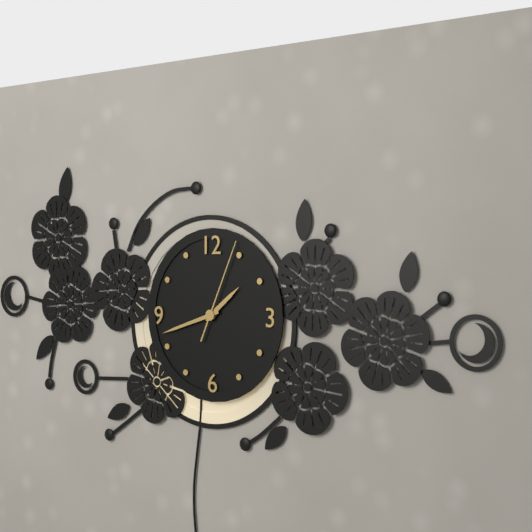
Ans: 1:42:04
